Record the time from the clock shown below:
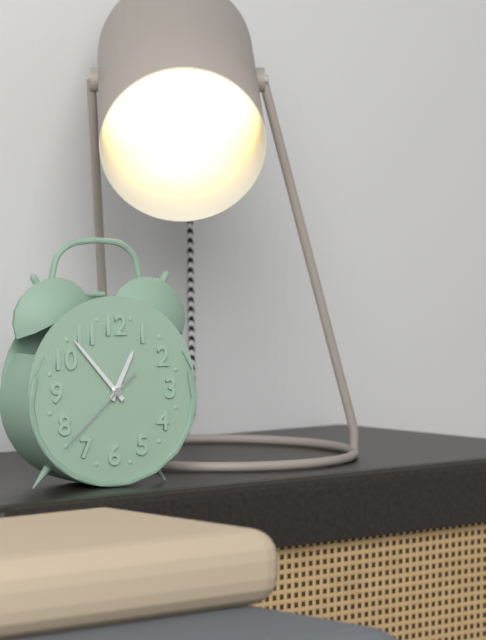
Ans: 12:53:38
